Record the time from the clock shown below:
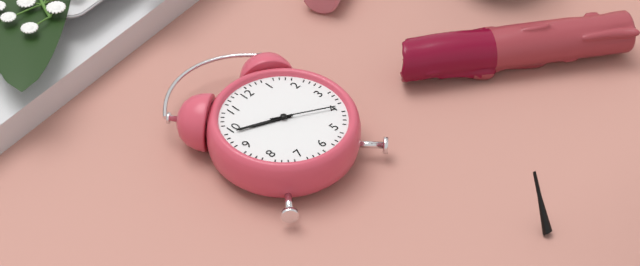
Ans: 9:49:20
